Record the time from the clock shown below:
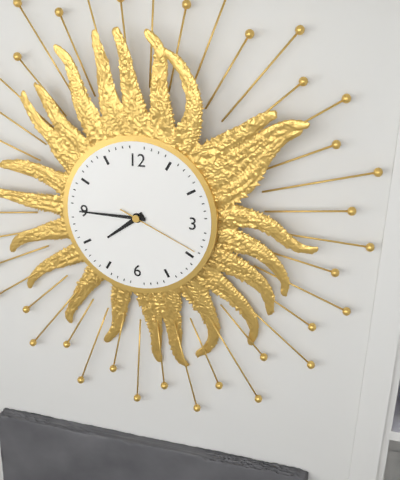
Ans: 7:45:19
